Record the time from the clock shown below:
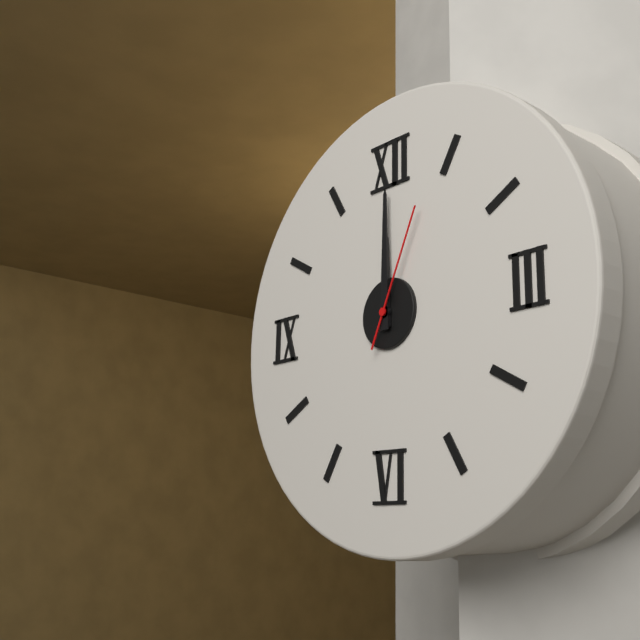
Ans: 12:00:04
